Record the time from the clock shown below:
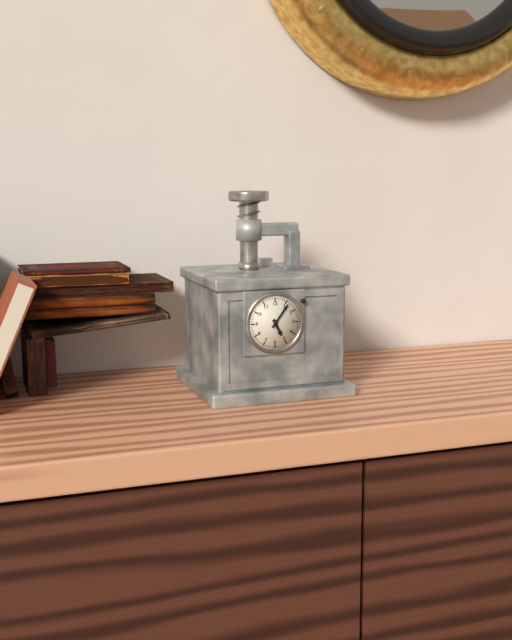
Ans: 5:06
